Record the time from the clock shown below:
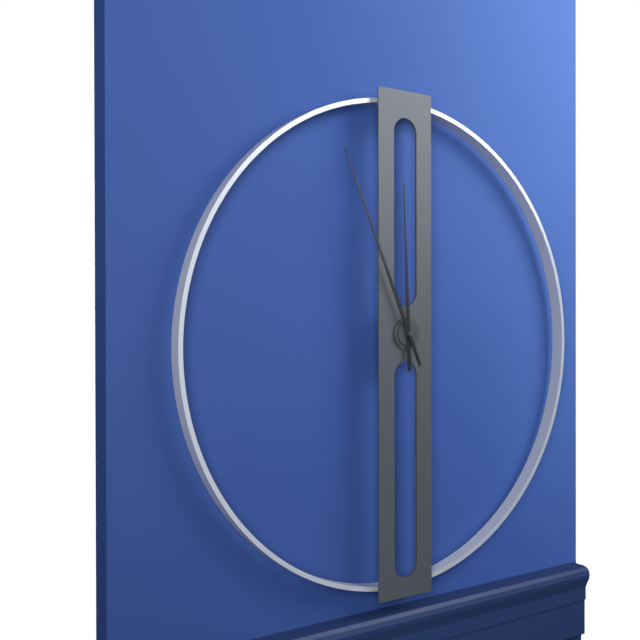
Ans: 11:56
